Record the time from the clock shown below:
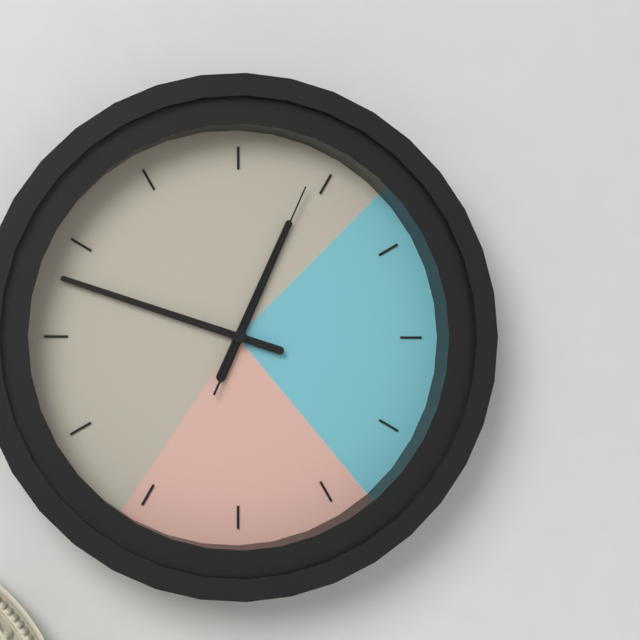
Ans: 12:48:04
